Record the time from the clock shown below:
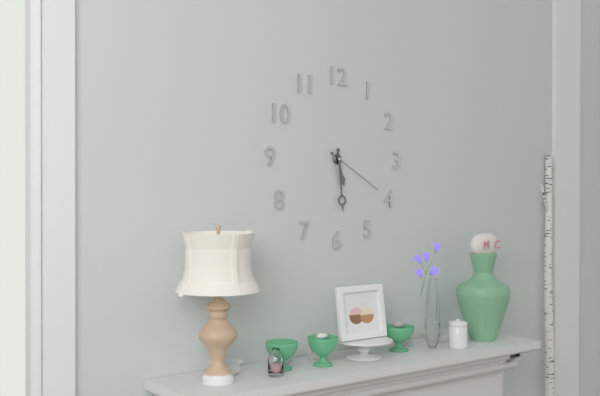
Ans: 5:29:20
